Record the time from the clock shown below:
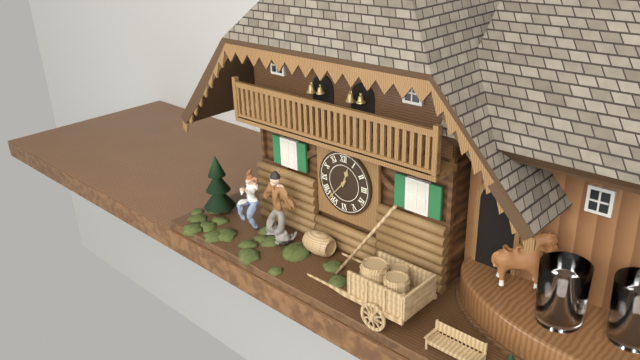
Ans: 12:37
